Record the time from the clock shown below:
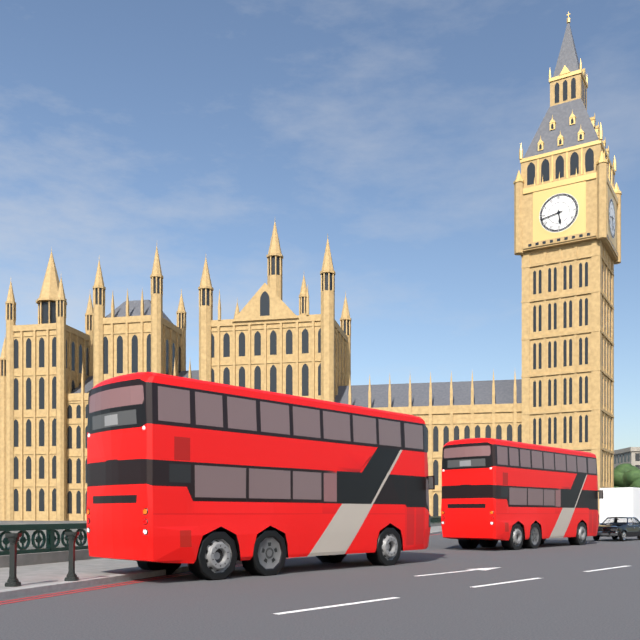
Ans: 5:43
